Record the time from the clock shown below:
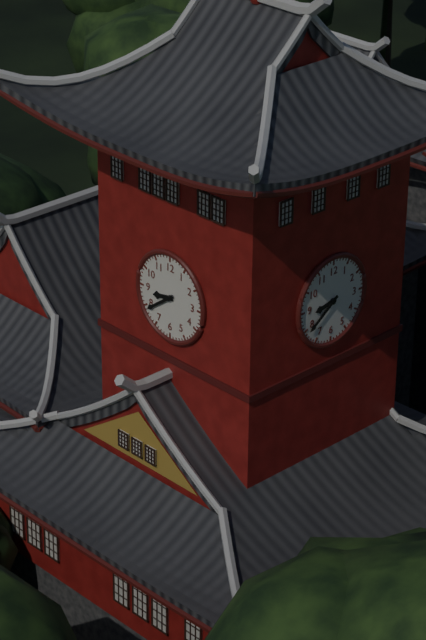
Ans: 8:39
